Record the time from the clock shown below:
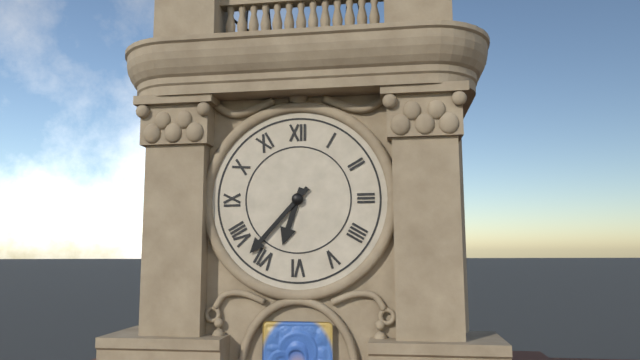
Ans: 6:37
